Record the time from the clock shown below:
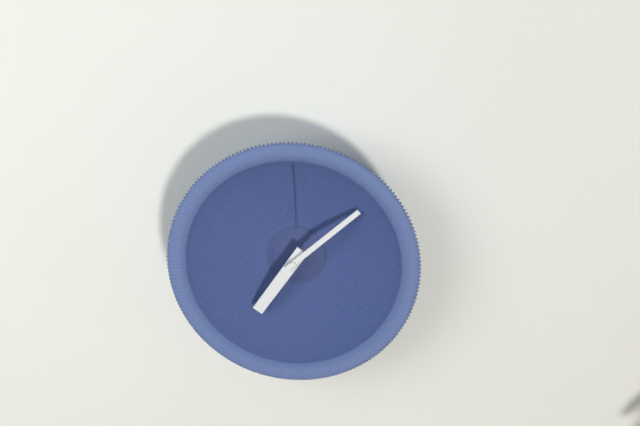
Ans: 7:08
